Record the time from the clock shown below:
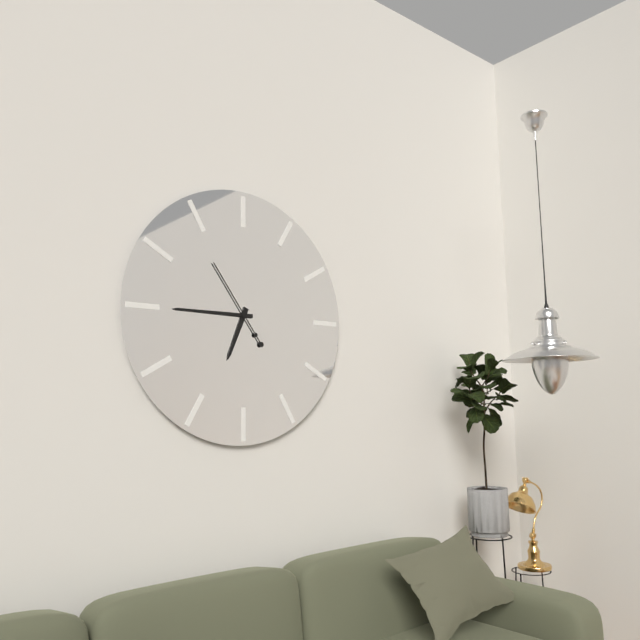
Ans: 6:45:54
